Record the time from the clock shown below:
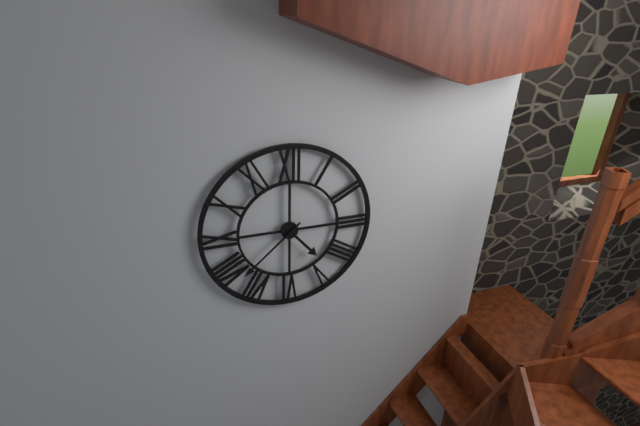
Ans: 4:38
